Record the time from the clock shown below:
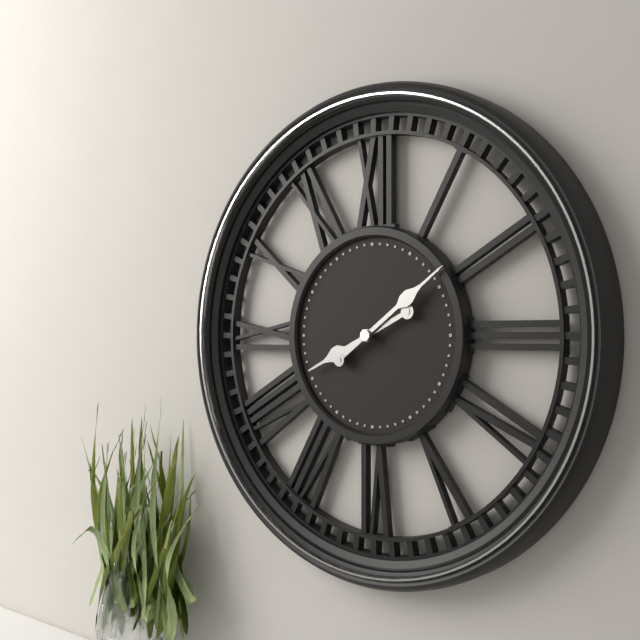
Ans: 8:09
